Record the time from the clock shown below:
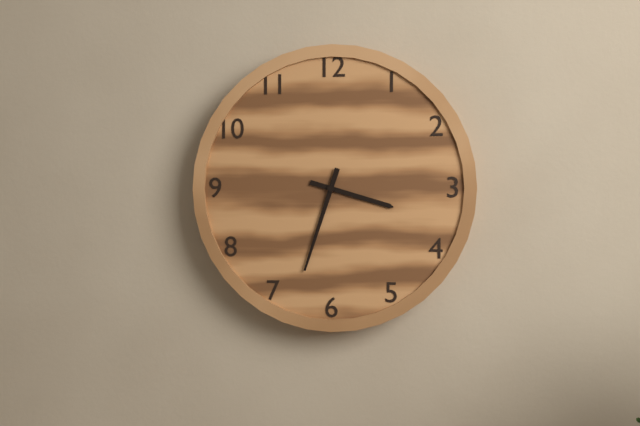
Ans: 3:33
